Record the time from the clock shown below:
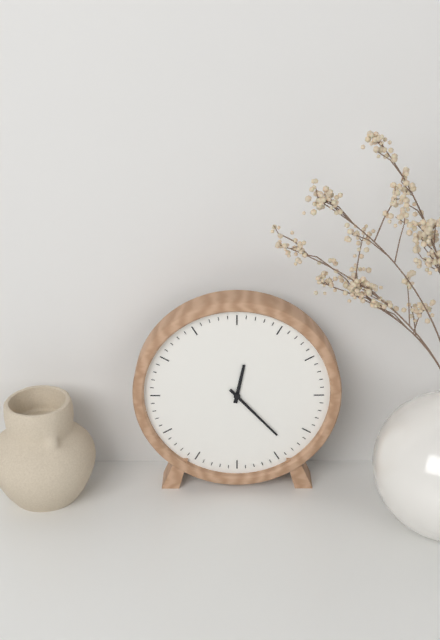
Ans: 12:23
